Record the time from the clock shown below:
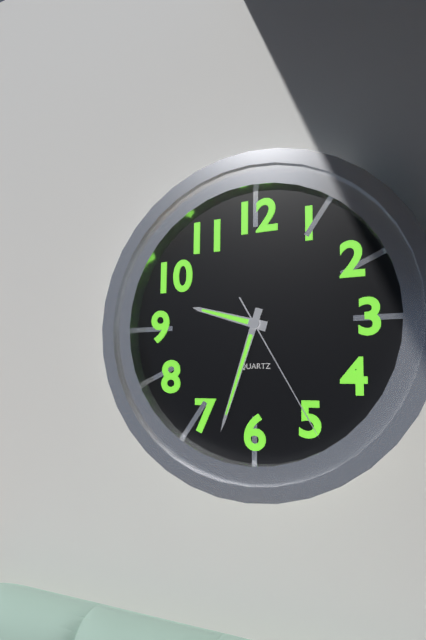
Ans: 9:33:25
